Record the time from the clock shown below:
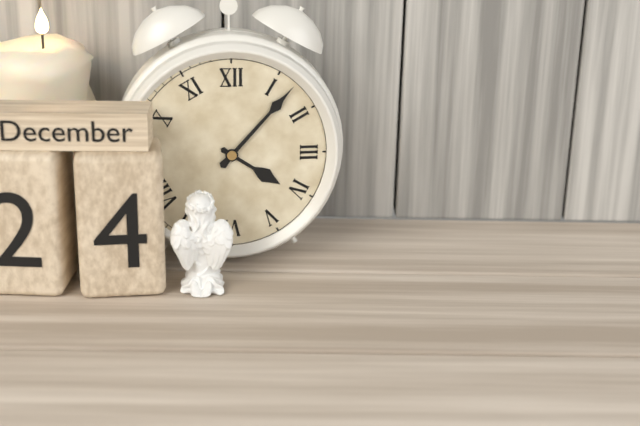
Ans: 4:07
